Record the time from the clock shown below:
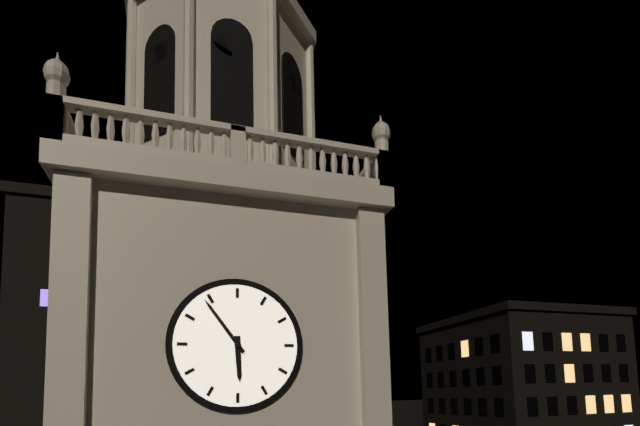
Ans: 5:54
